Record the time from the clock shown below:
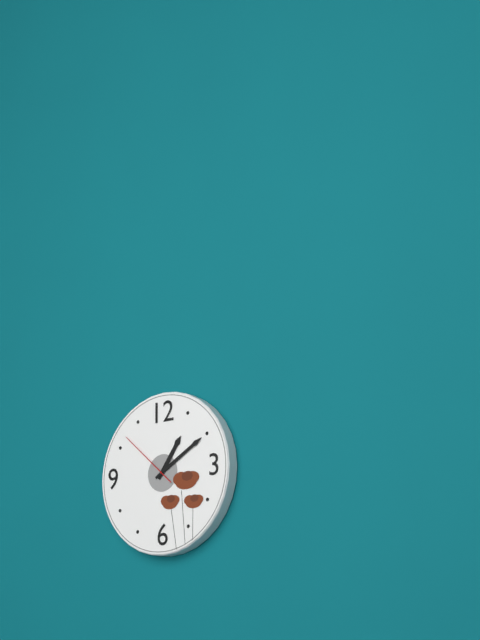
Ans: 1:10:52
